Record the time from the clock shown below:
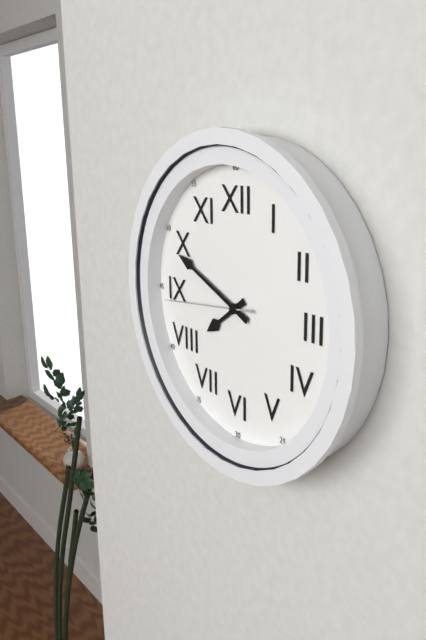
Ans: 7:49:44
